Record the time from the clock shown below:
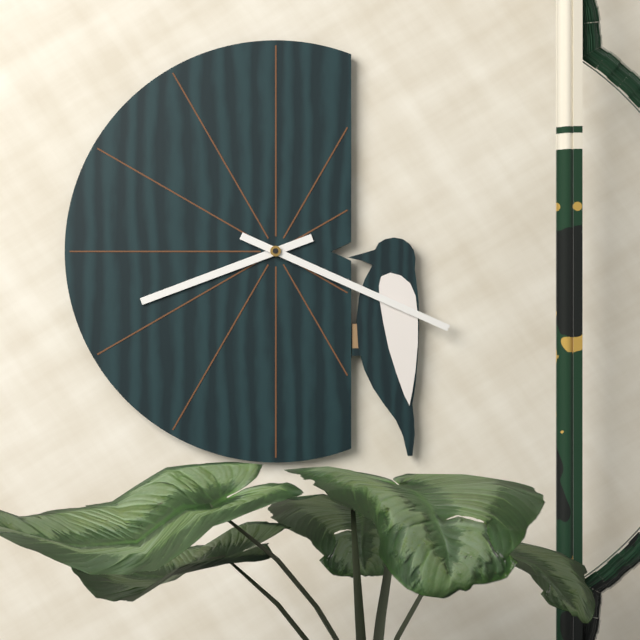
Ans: 8:19
